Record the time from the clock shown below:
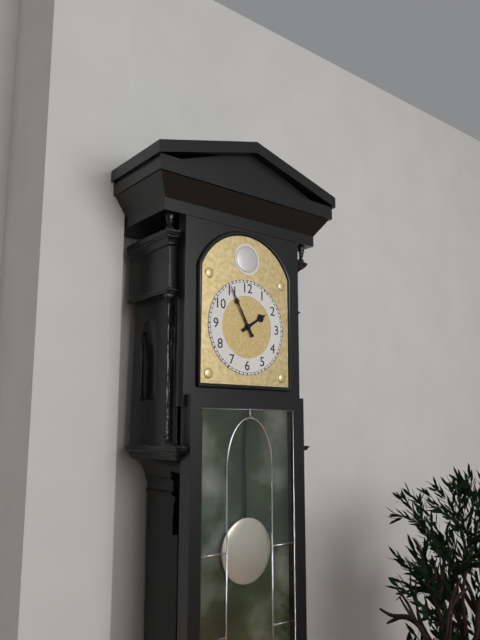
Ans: 1:55
